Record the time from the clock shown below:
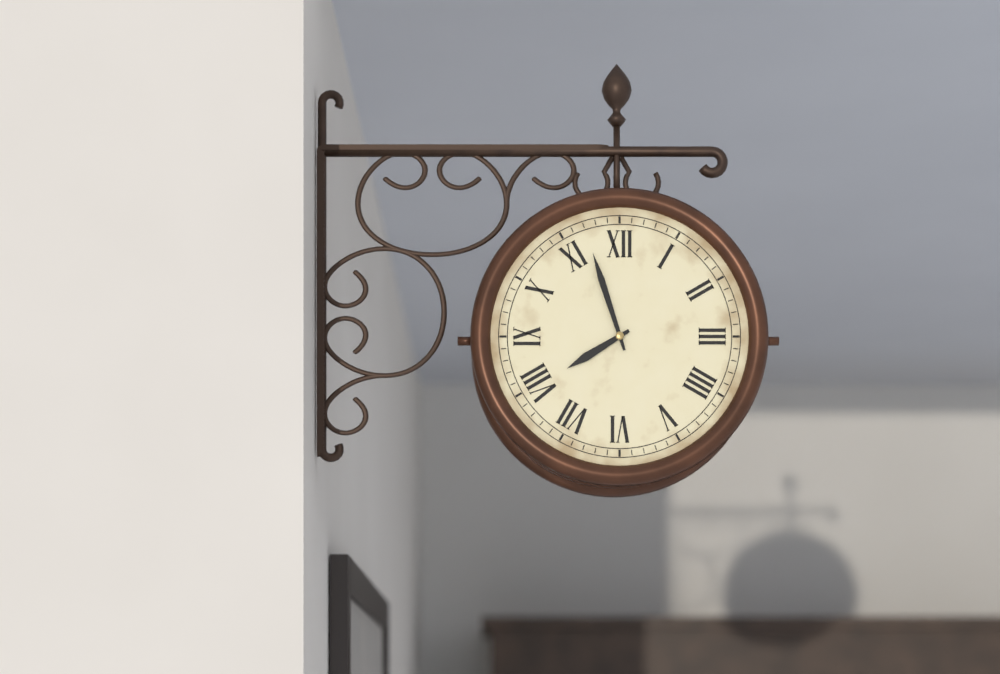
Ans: 7:57
